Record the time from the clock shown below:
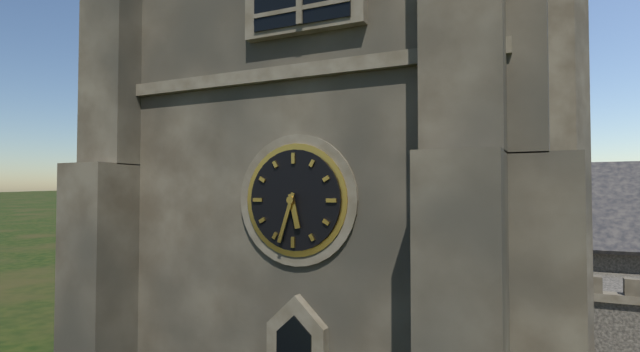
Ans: 5:33
